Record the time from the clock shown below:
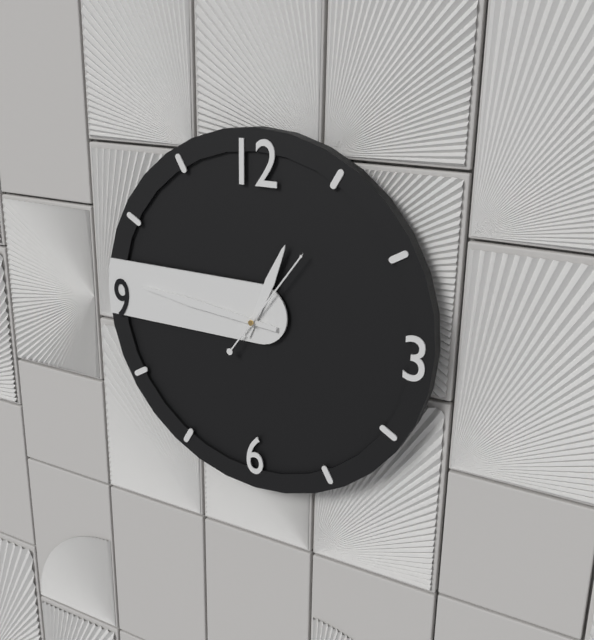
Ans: 12:46:06
